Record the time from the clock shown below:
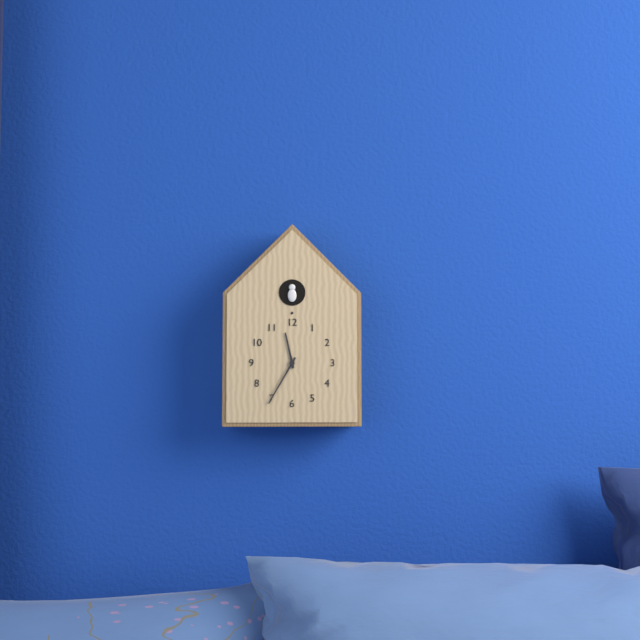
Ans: 11:35
